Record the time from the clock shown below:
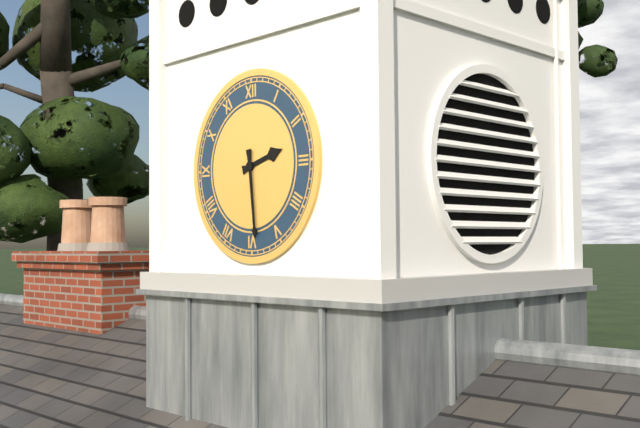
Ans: 2:29
